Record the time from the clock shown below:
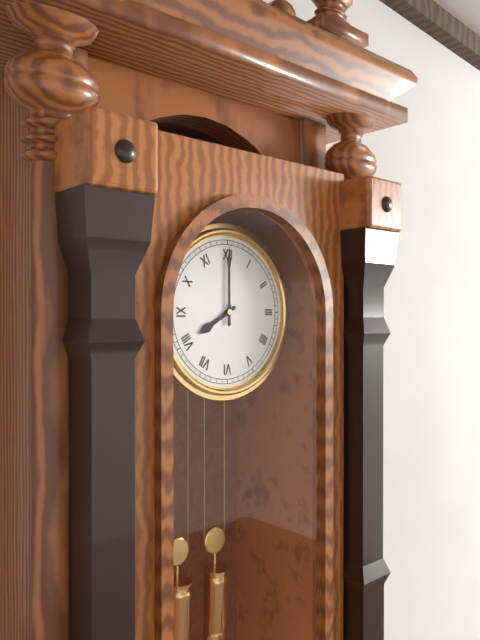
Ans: 8:00
